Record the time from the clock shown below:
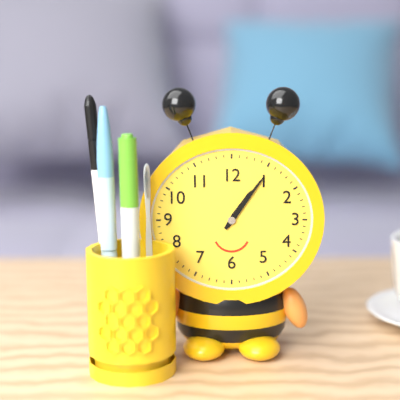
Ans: 1:06
